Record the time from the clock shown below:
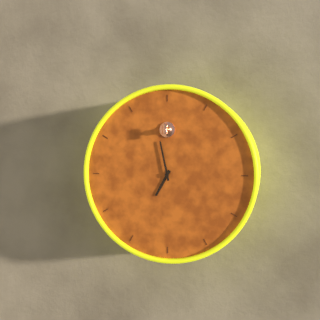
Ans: 6:58
